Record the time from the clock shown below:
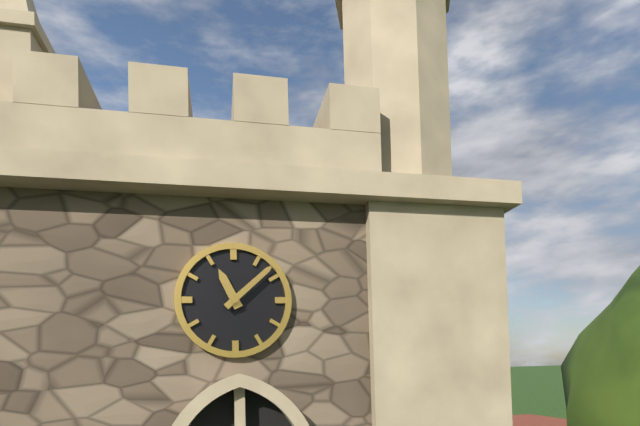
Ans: 11:08
